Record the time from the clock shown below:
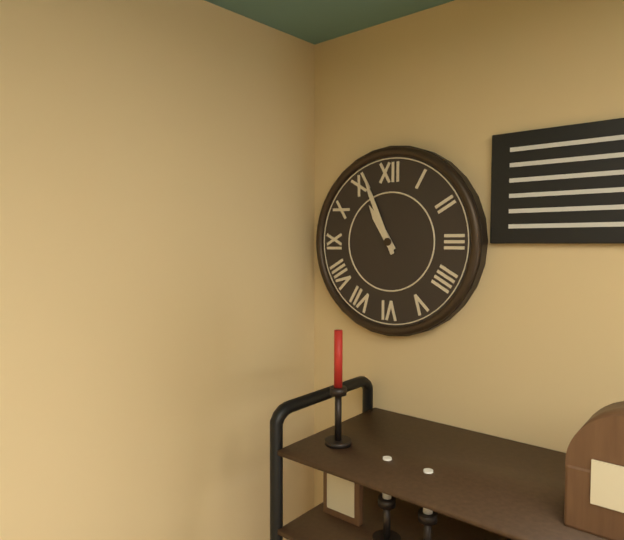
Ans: 10:56
